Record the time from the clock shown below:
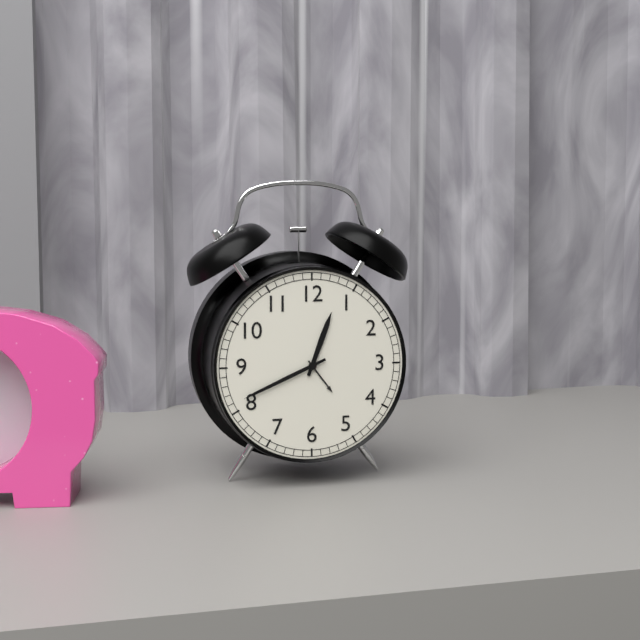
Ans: 12:41
